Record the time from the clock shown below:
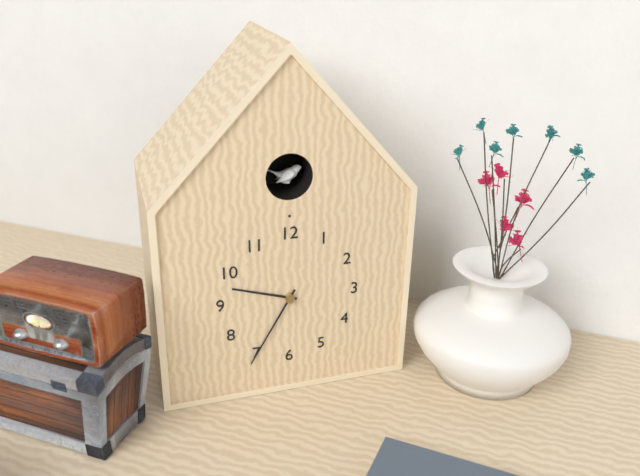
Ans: 9:35
